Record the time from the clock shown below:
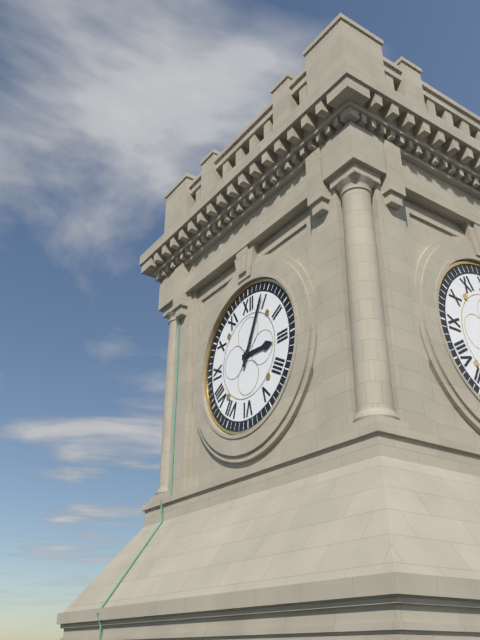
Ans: 3:04
